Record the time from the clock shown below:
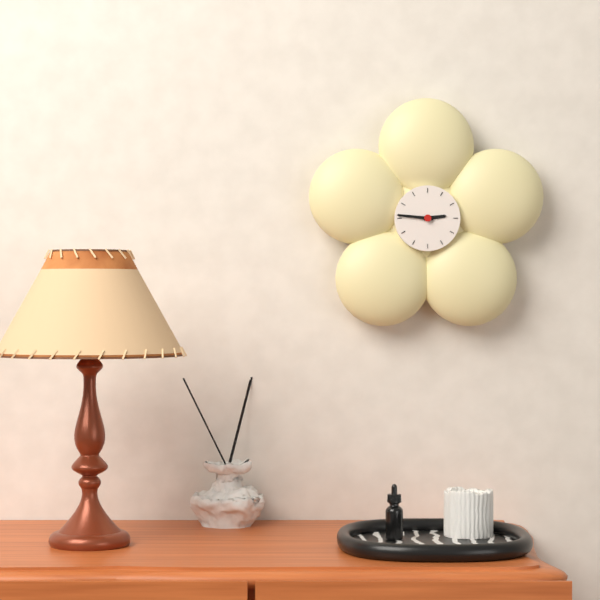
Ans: 2:46
